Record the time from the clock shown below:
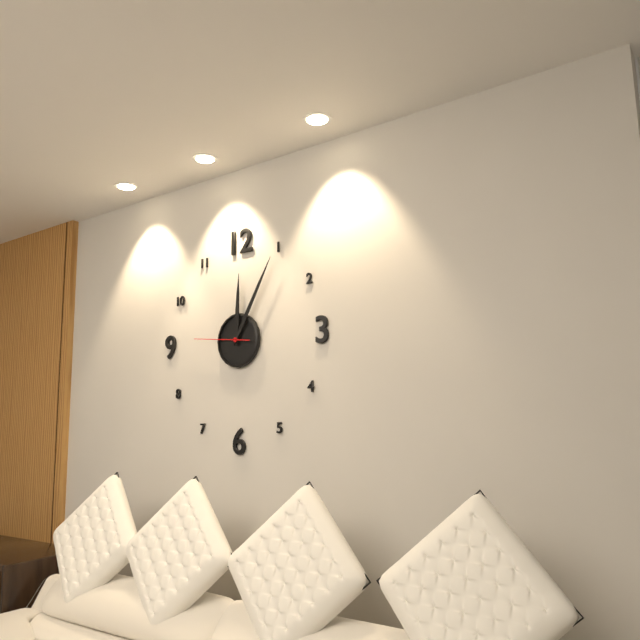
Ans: 12:05:46
